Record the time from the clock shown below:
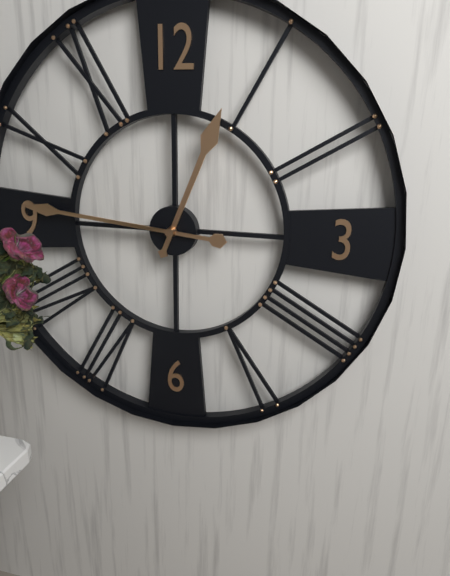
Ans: 12:46
